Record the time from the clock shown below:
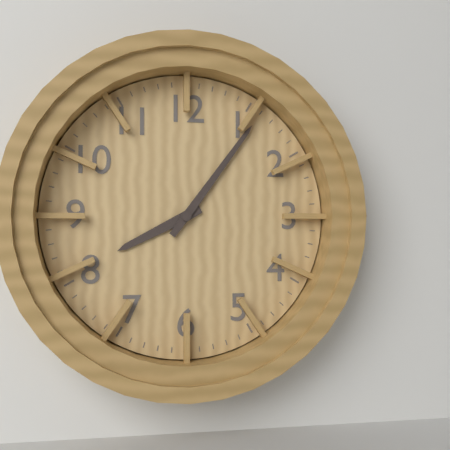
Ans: 8:06
